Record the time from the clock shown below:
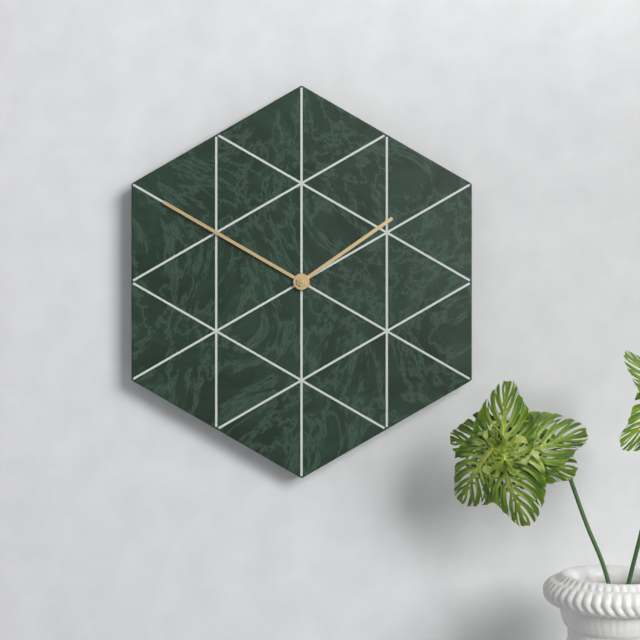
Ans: 1:50
